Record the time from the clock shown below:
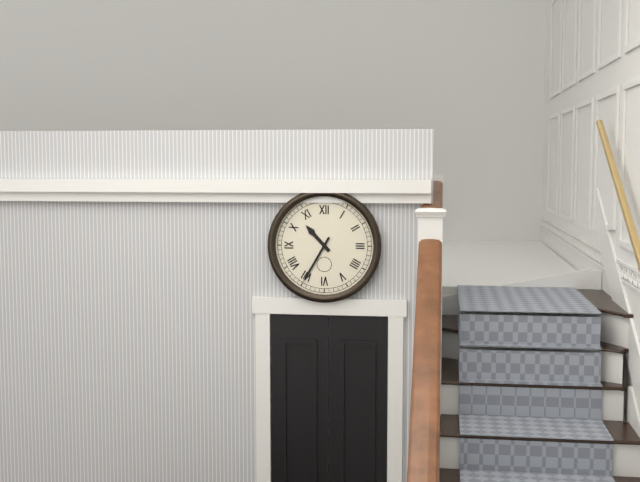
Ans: 10:35
